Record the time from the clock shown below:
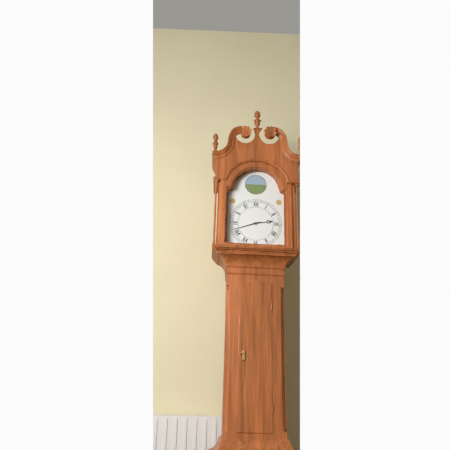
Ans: 2:42
